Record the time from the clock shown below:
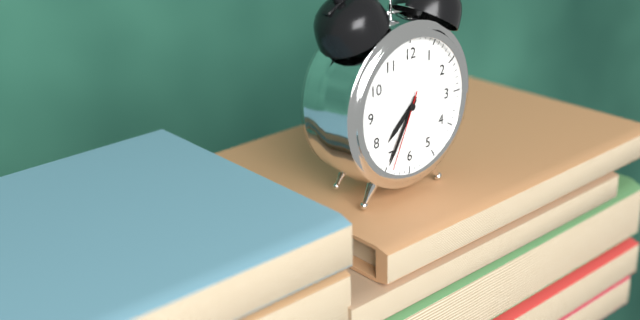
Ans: 7:35:34
